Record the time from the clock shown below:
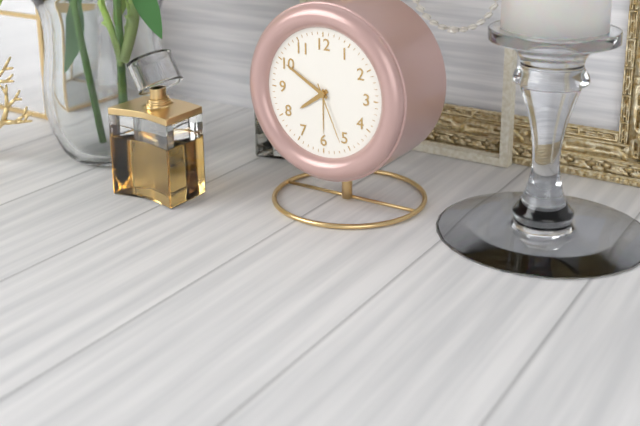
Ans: 7:50:26
